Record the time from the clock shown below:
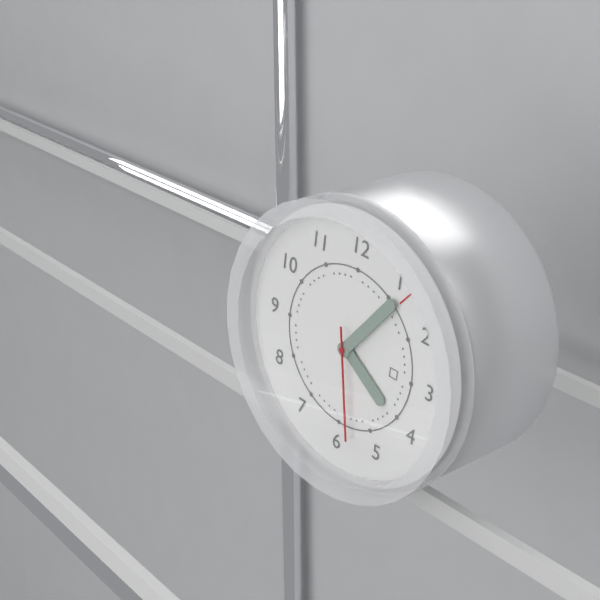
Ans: 4:06:28
